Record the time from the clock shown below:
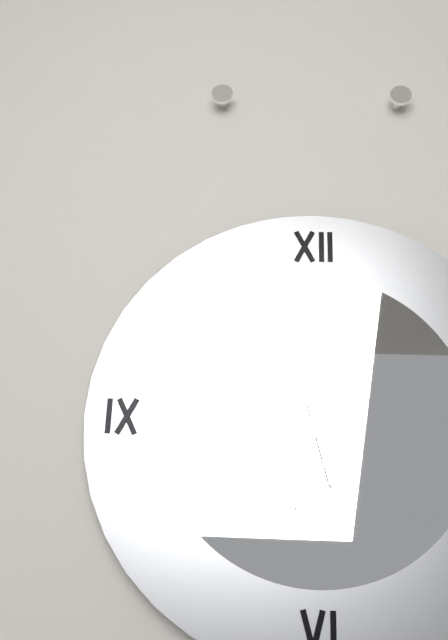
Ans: 5:32
